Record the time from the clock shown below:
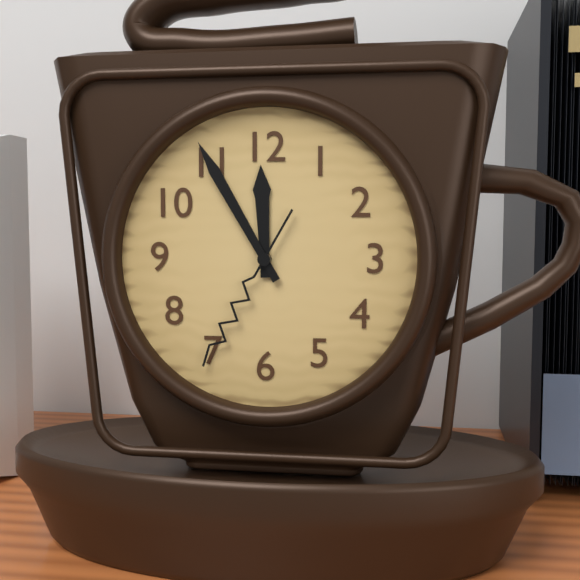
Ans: 11:55:35
